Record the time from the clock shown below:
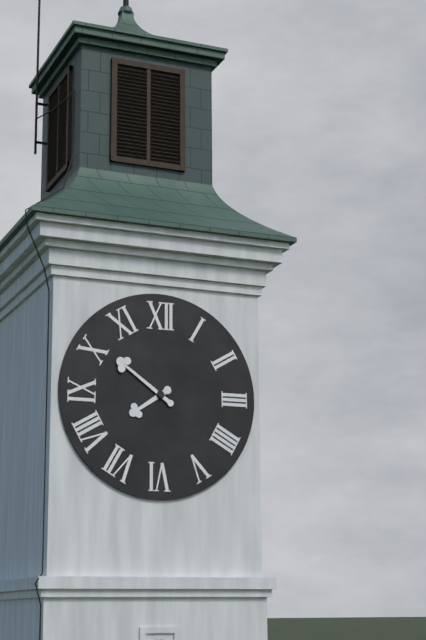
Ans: 7:51
